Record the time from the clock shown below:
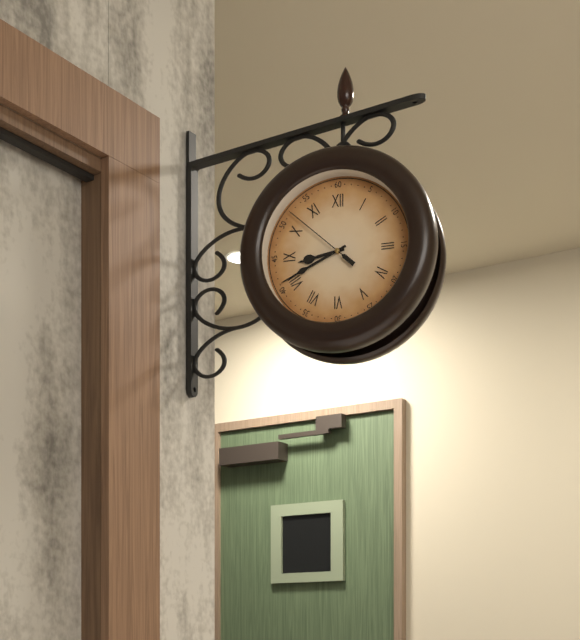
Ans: 8:41:52
